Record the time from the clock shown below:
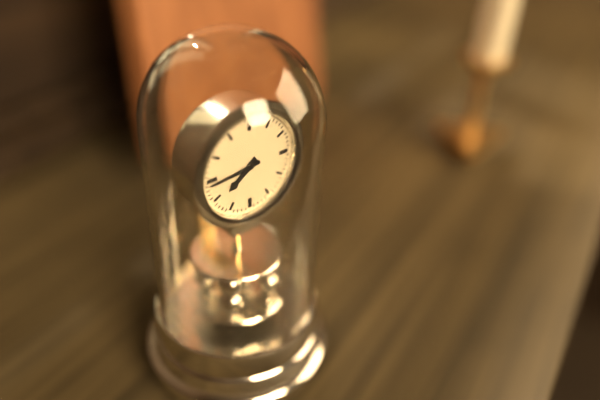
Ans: 7:44
